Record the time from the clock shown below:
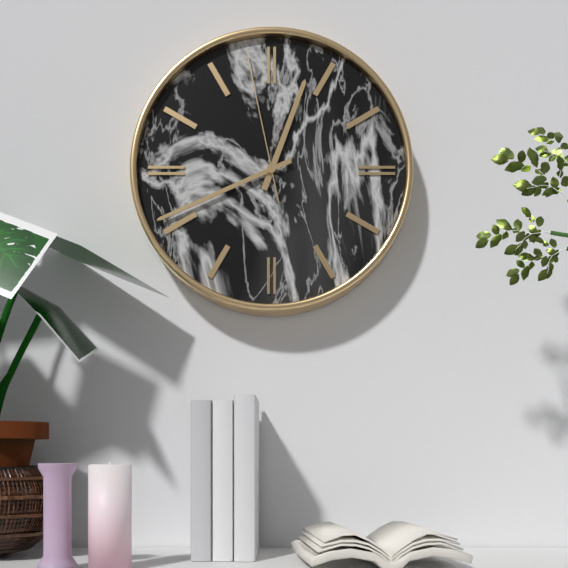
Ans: 12:41:58
